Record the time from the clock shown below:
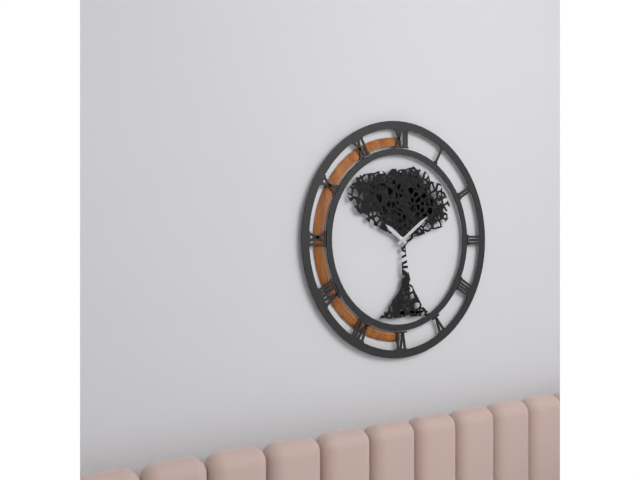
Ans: 10:09
